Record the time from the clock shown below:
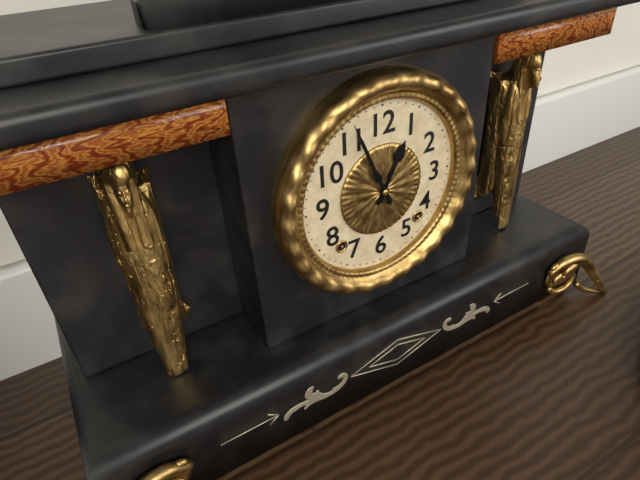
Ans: 12:56
